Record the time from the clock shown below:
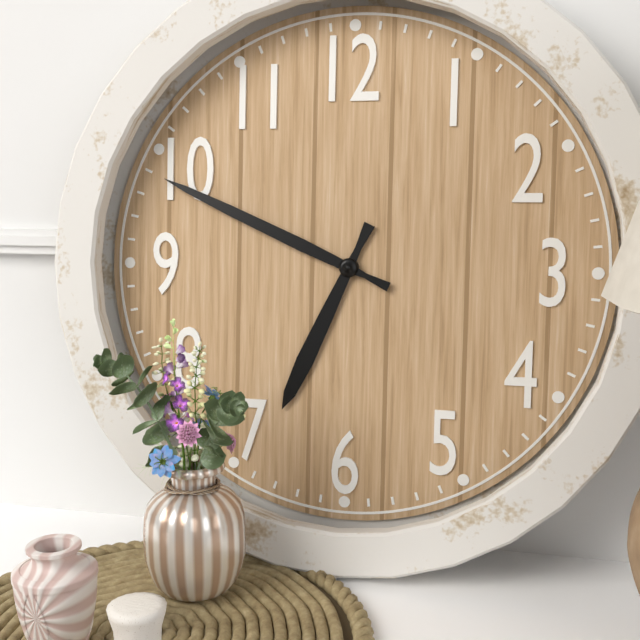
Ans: 6:49
